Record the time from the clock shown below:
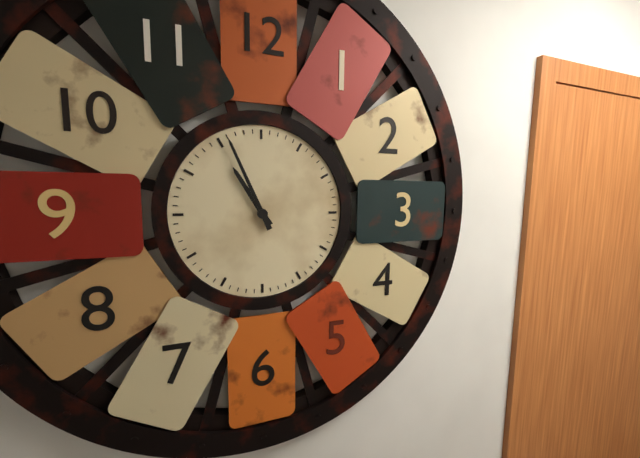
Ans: 10:56
